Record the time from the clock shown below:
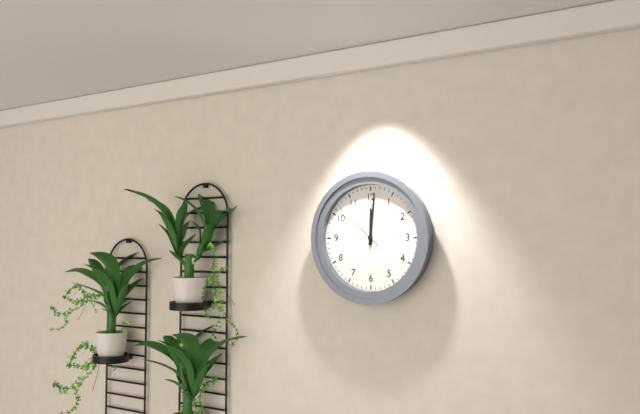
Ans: 12:01:52
